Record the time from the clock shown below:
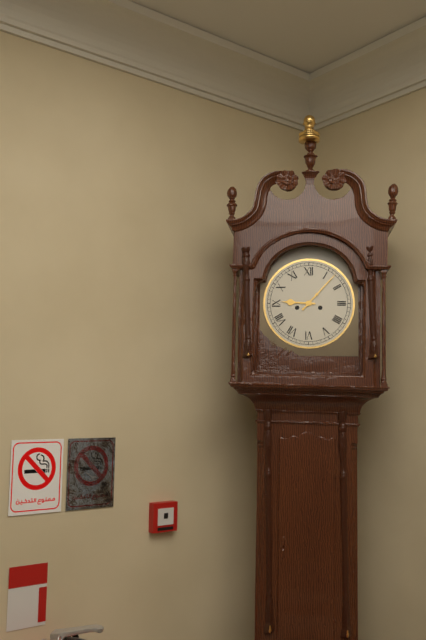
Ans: 9:07
